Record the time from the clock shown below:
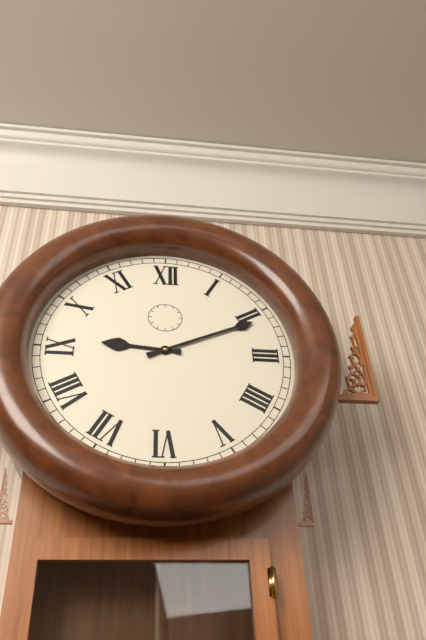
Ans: 9:11
